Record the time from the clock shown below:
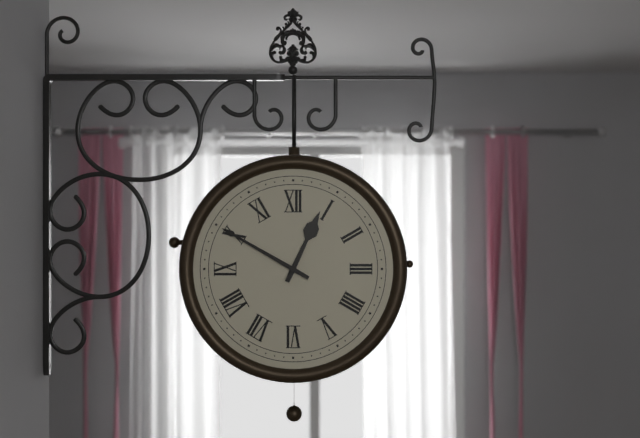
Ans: 12:50
